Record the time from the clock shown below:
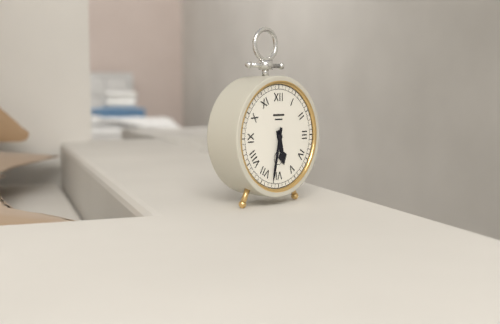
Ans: 5:32
